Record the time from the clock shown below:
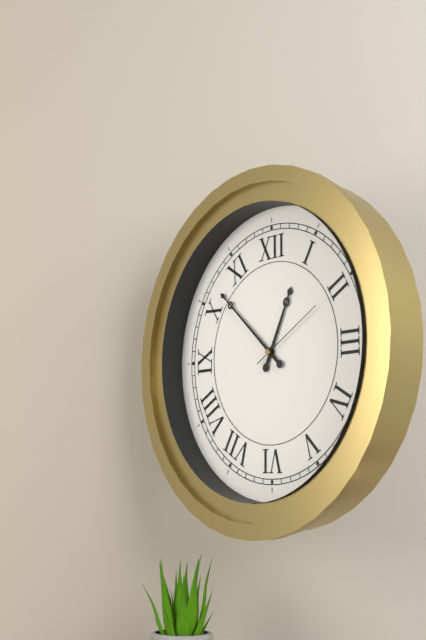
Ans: 12:52:10
